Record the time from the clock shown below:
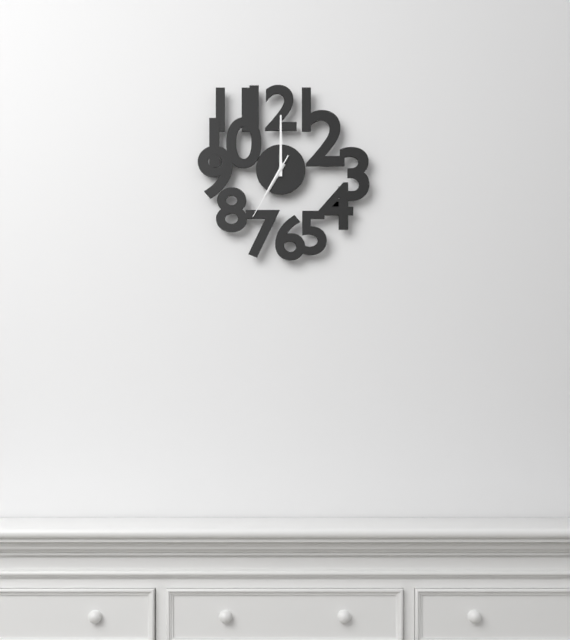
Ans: 7:00:35
